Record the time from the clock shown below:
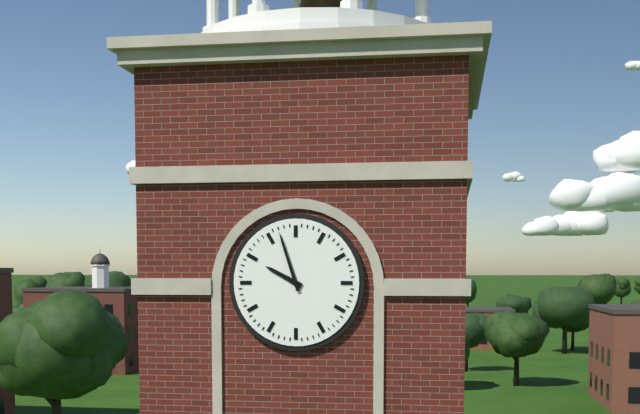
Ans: 9:57
